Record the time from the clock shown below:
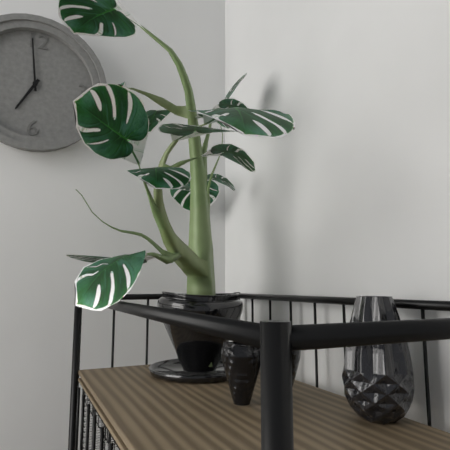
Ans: 6:59
